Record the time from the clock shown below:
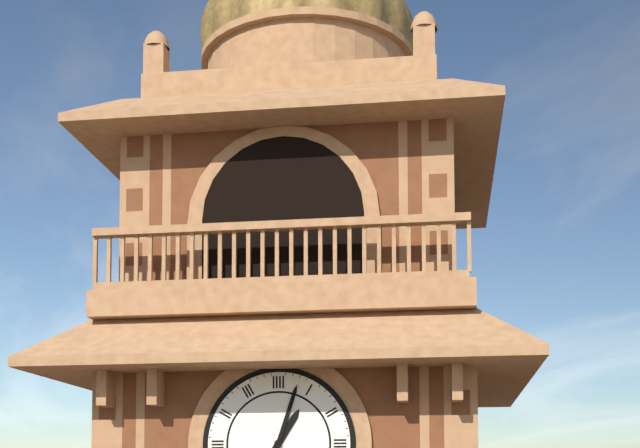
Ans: 1:03
